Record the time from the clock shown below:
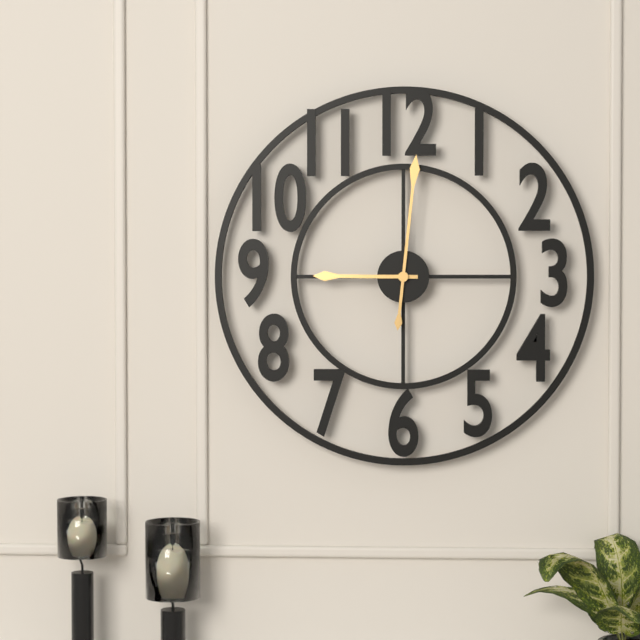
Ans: 9:01
